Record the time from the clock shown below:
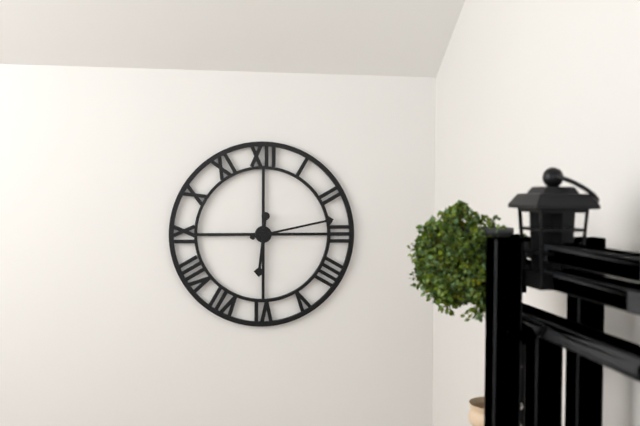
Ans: 6:13
